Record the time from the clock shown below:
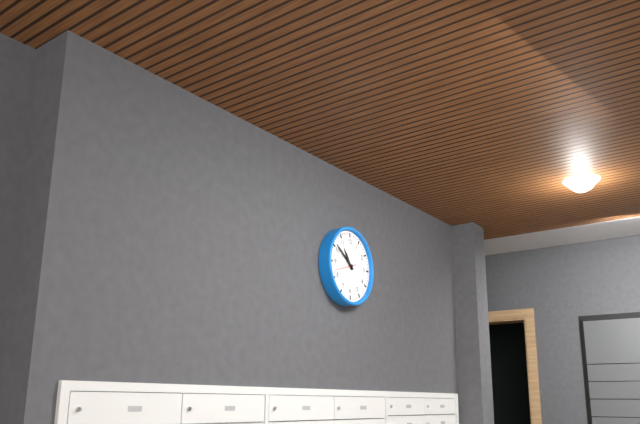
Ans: 10:51
